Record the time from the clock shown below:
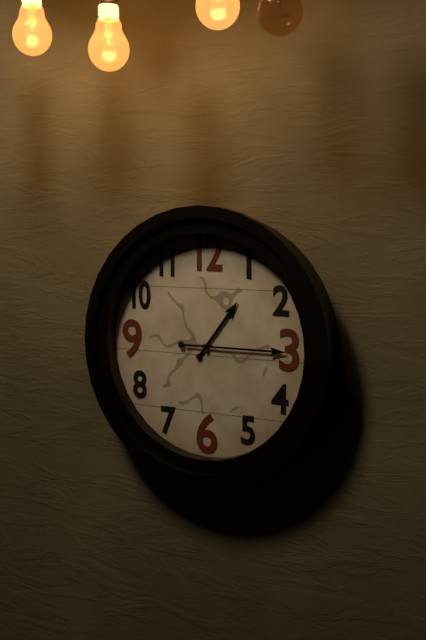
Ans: 1:15
